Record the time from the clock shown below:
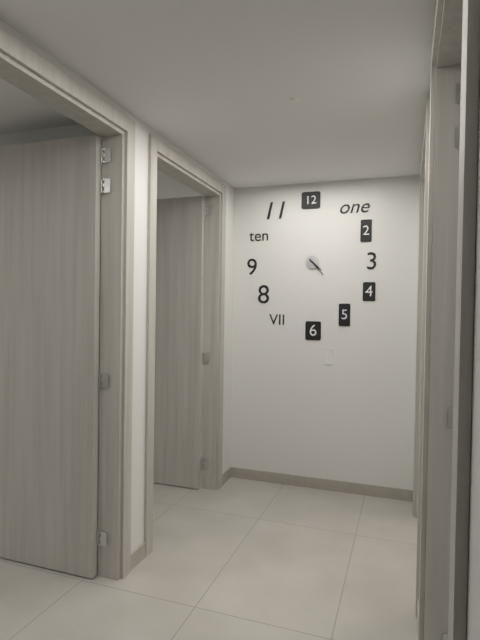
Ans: 4:23
